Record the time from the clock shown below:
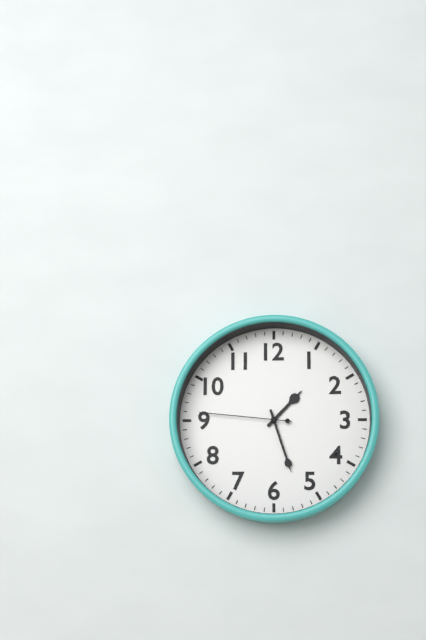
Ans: 1:27:46
